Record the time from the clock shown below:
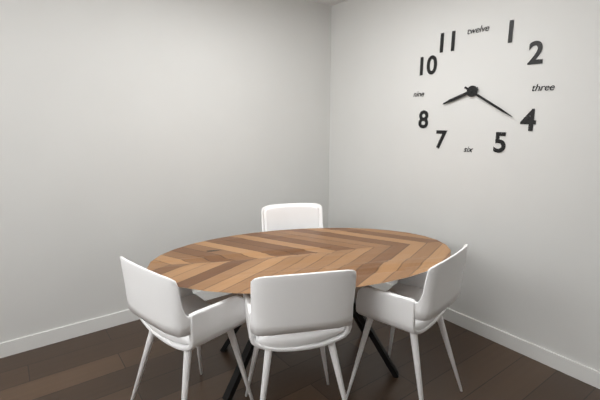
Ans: 8:20
